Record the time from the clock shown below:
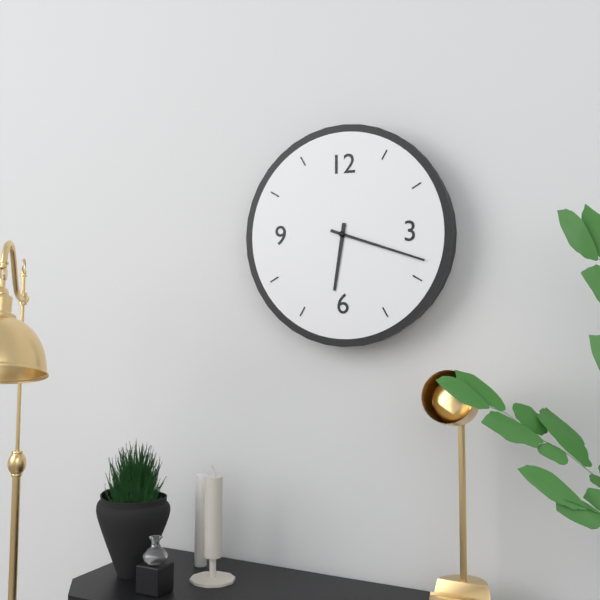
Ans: 6:18
